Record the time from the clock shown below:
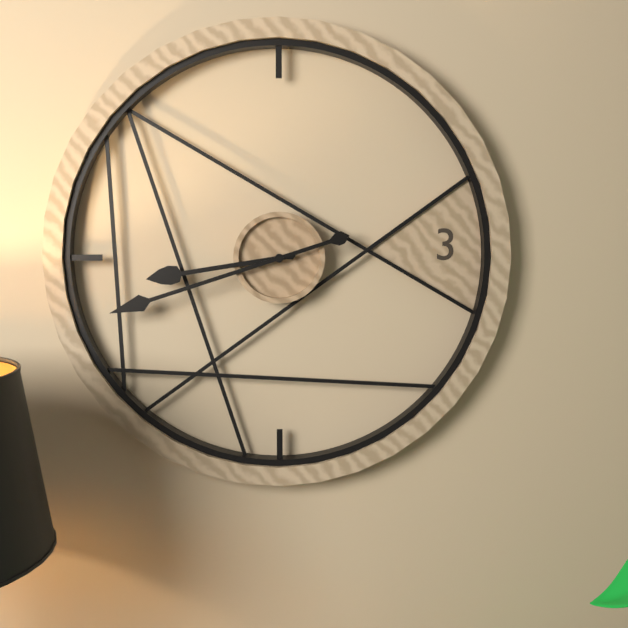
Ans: 8:42
